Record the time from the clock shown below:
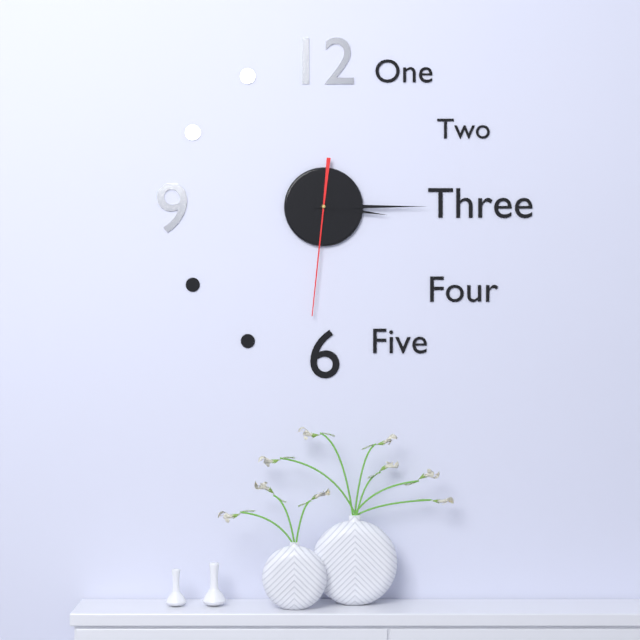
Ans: 3:15:31
